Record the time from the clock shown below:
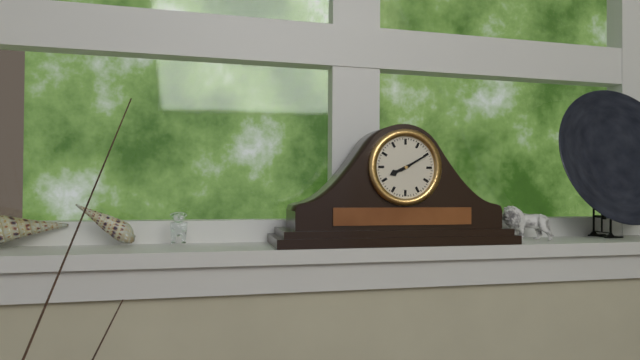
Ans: 8:10
